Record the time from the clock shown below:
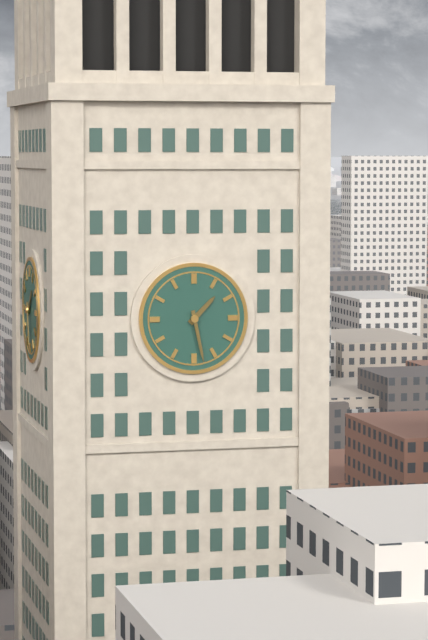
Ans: 1:28
